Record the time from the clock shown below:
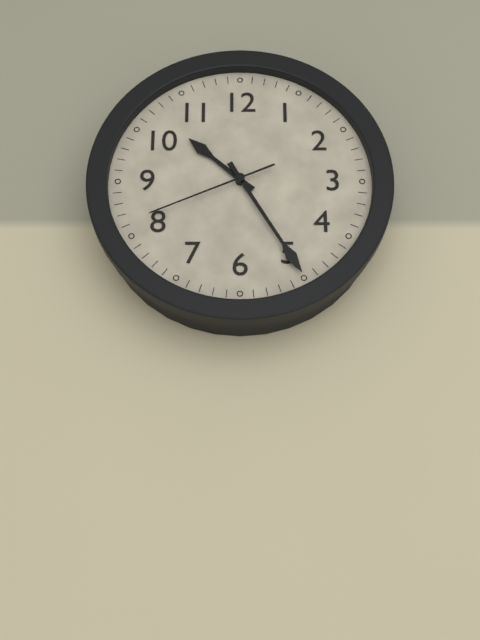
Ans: 10:25:41
